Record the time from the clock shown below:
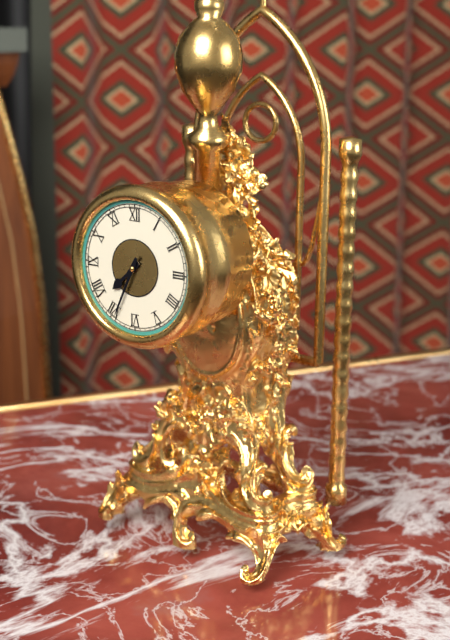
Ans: 7:34
